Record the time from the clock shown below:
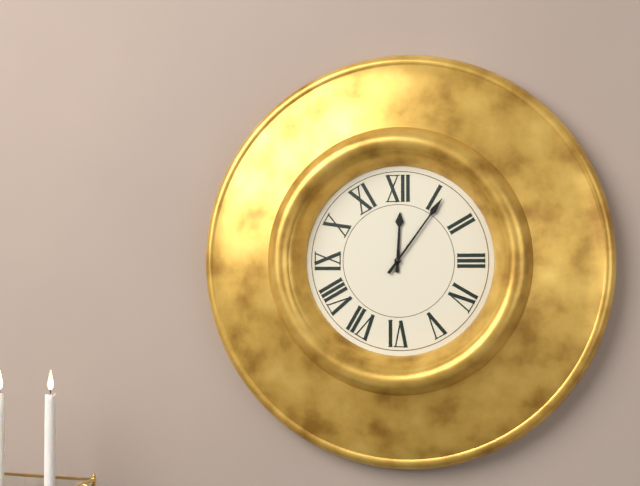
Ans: 12:06
